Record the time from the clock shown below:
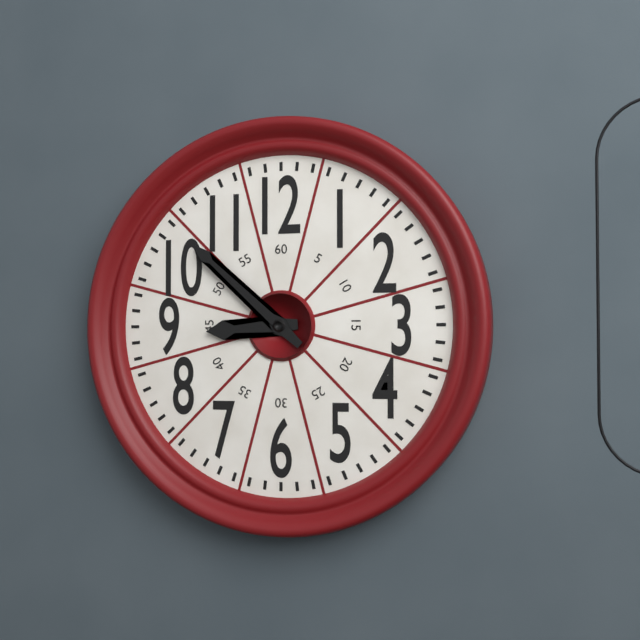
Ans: 8:52
